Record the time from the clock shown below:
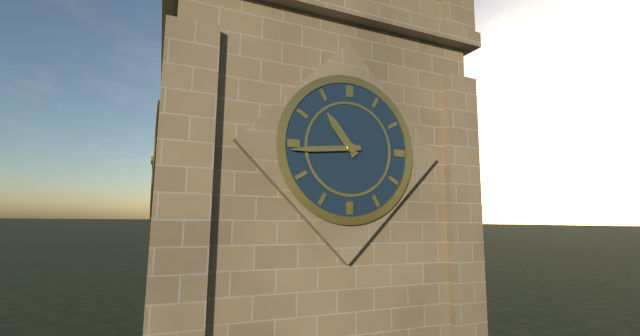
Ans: 10:44
